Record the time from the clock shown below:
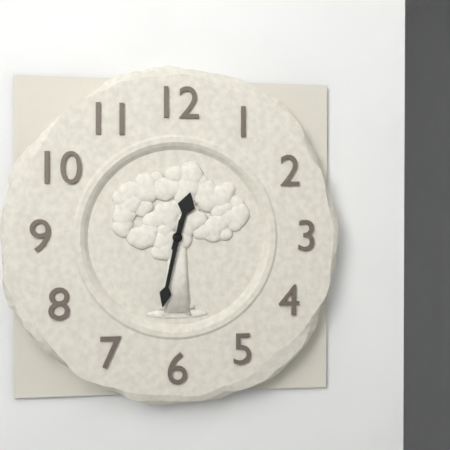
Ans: 12:32
